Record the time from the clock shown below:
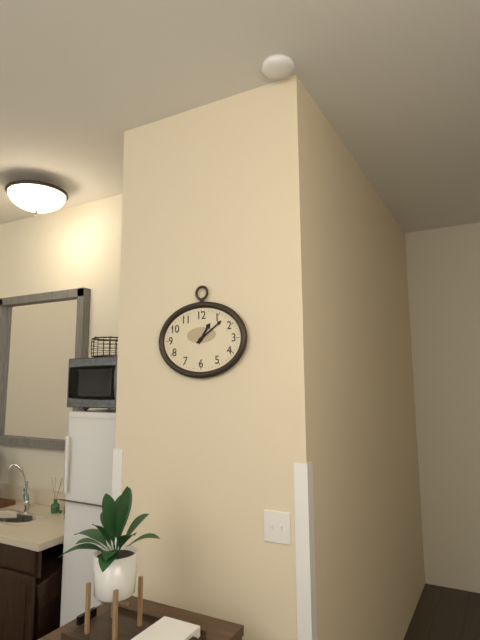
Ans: 1:09
